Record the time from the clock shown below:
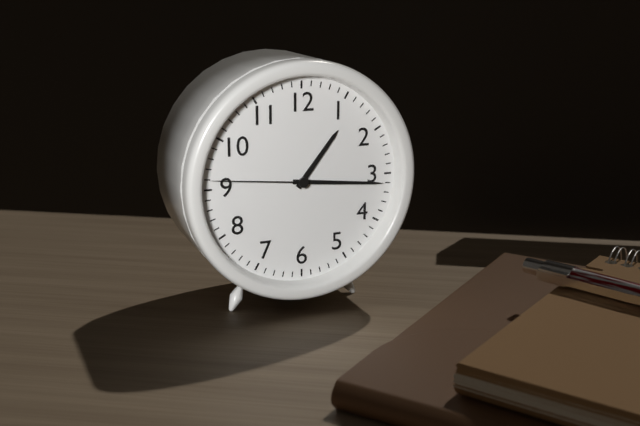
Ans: 1:16:46
